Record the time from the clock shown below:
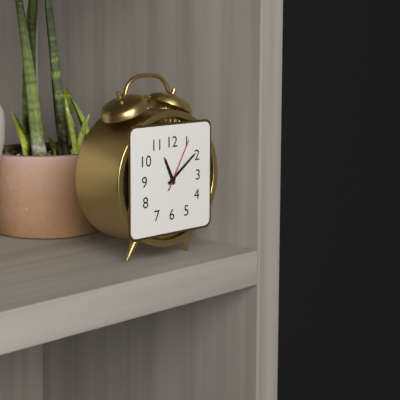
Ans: 11:09:05
